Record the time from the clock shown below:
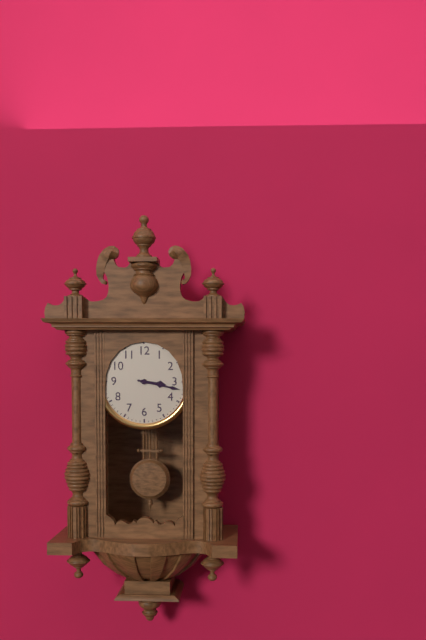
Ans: 3:17
